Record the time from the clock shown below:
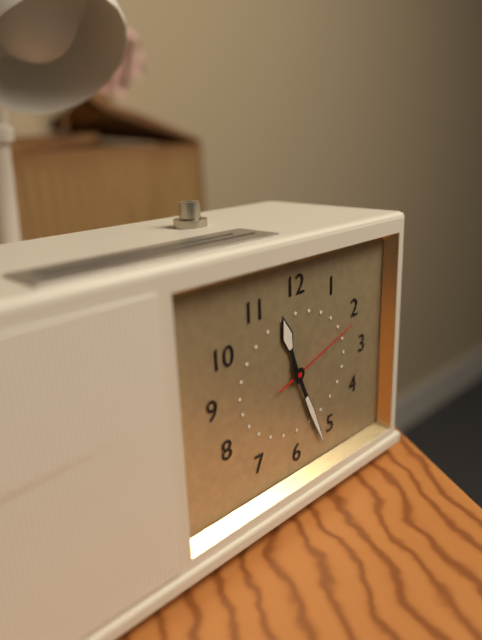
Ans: 11:26:12
